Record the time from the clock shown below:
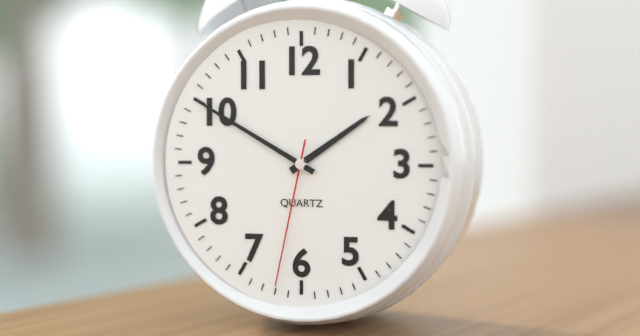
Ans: 1:50:32
